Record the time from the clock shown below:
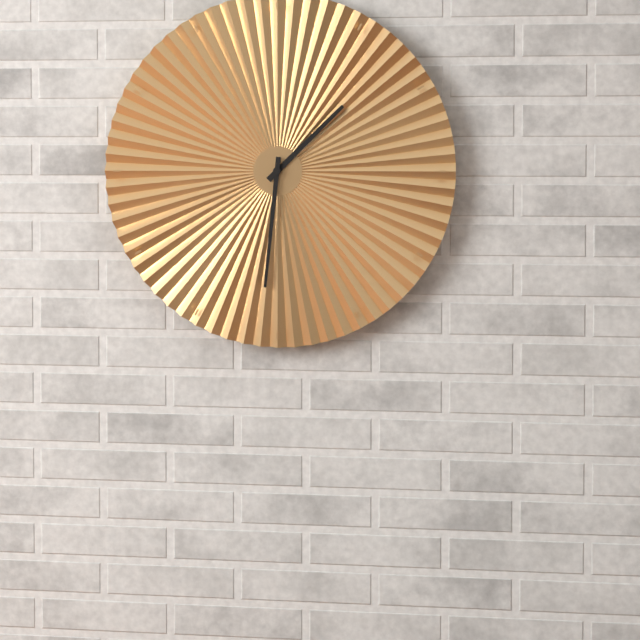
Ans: 1:31
